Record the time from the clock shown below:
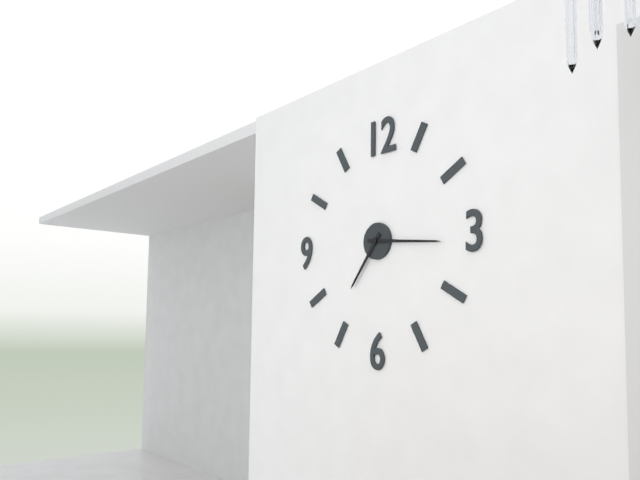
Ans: 7:16
